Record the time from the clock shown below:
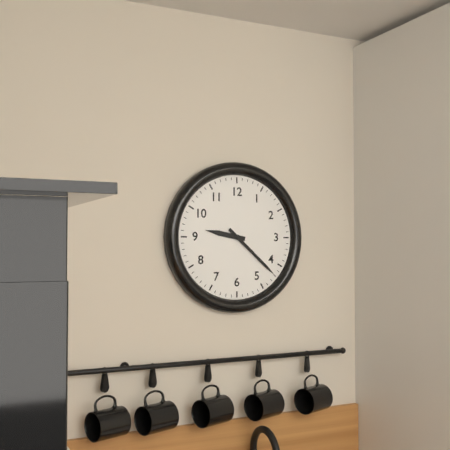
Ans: 9:22
